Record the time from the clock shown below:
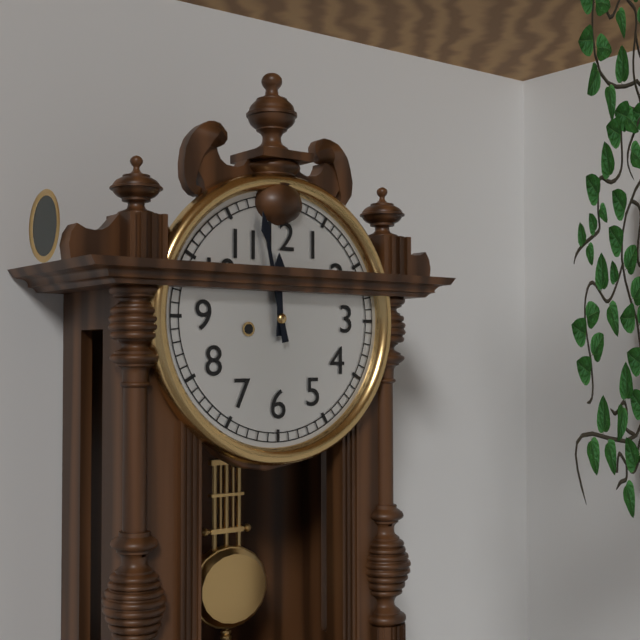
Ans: 11:58
